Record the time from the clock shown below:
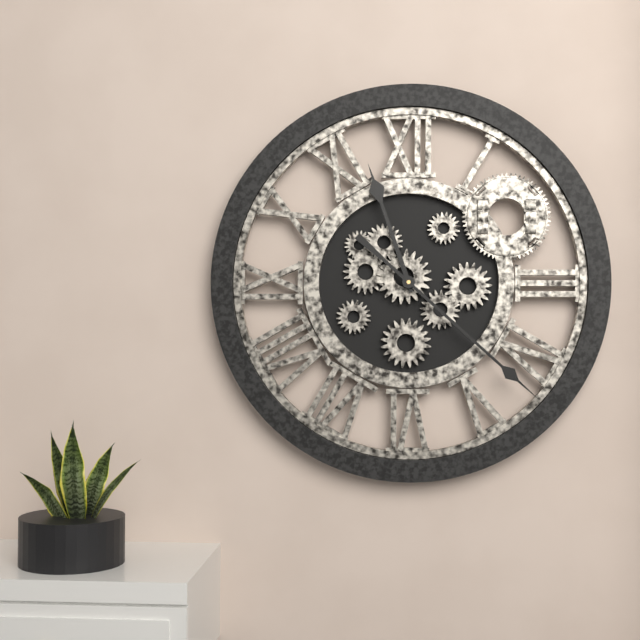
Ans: 11:22
